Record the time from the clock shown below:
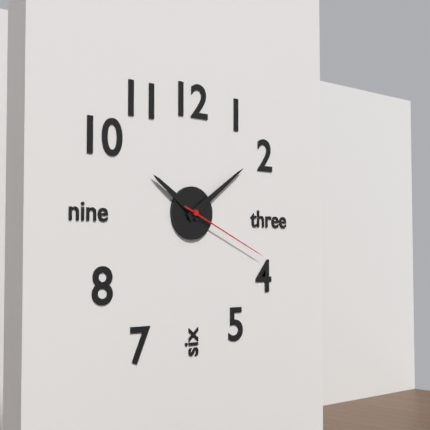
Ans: 10:09:19
